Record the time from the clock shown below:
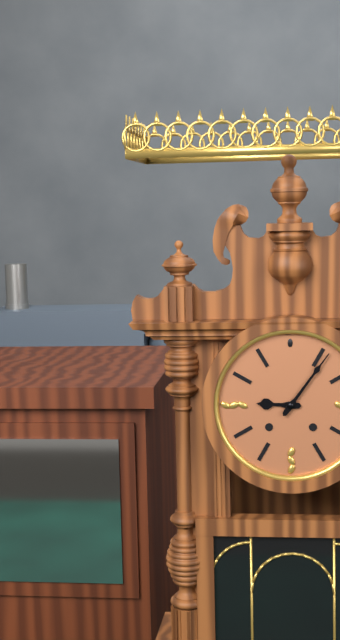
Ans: 9:06
